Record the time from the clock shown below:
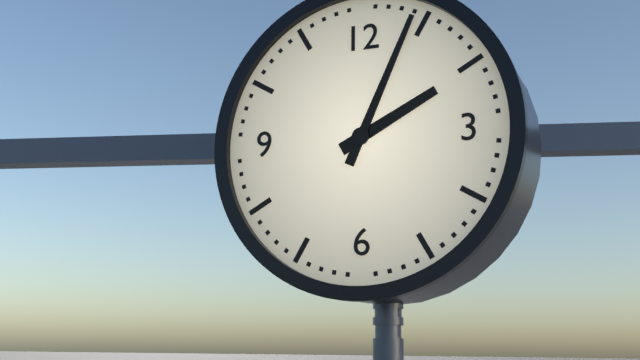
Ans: 2:04
